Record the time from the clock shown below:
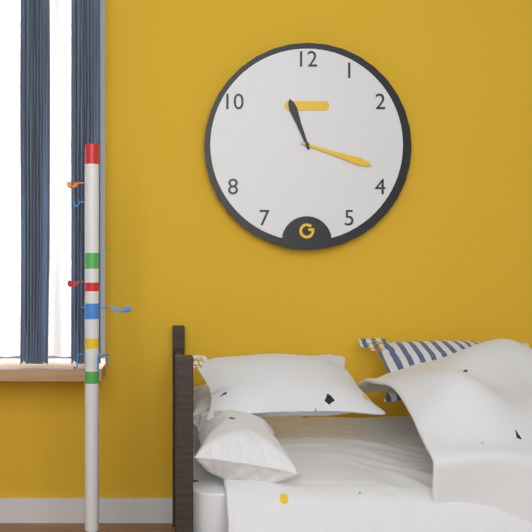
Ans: 11:18
